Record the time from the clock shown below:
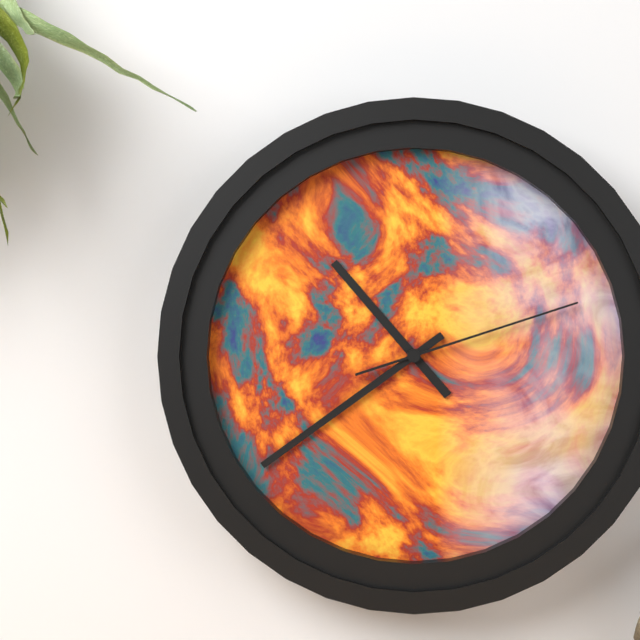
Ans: 10:39:12
